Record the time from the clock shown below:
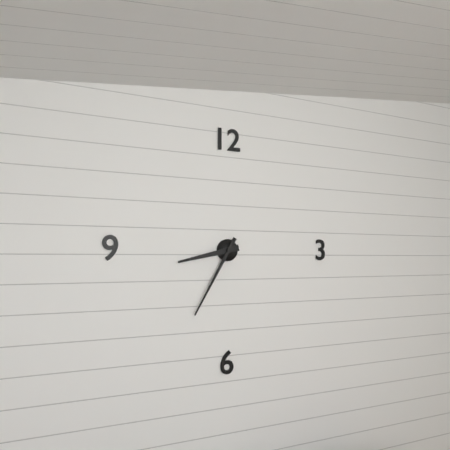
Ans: 8:35
